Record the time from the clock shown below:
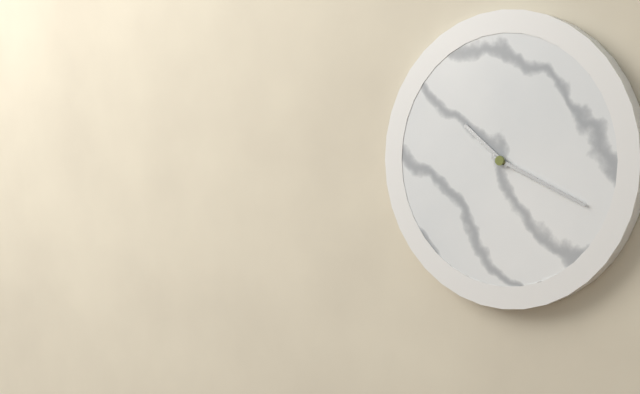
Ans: 10:19
